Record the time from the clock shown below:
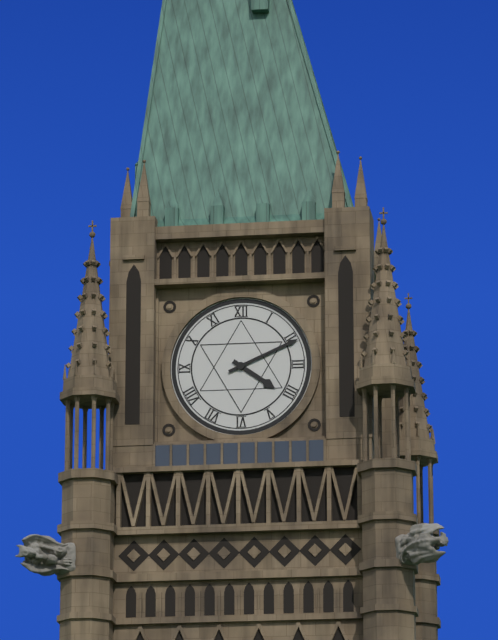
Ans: 4:11
